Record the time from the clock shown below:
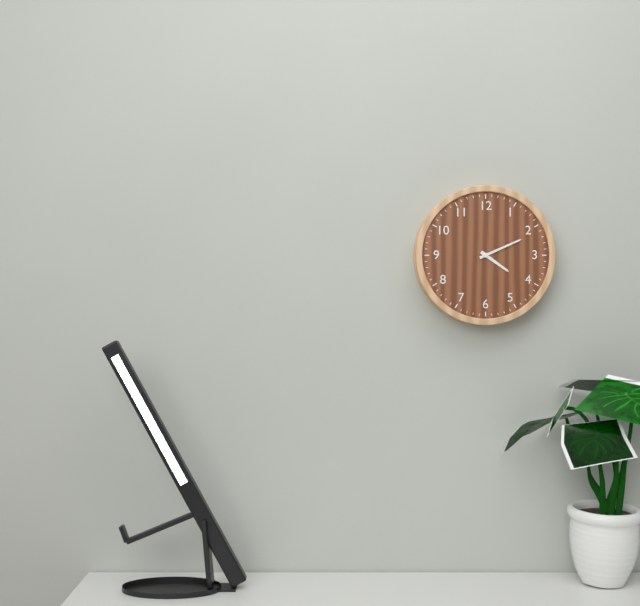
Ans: 4:11
